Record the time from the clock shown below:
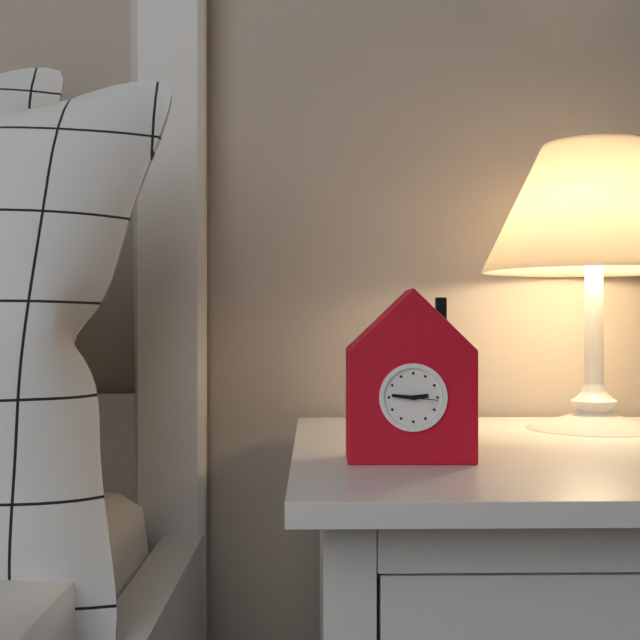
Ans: 2:46
